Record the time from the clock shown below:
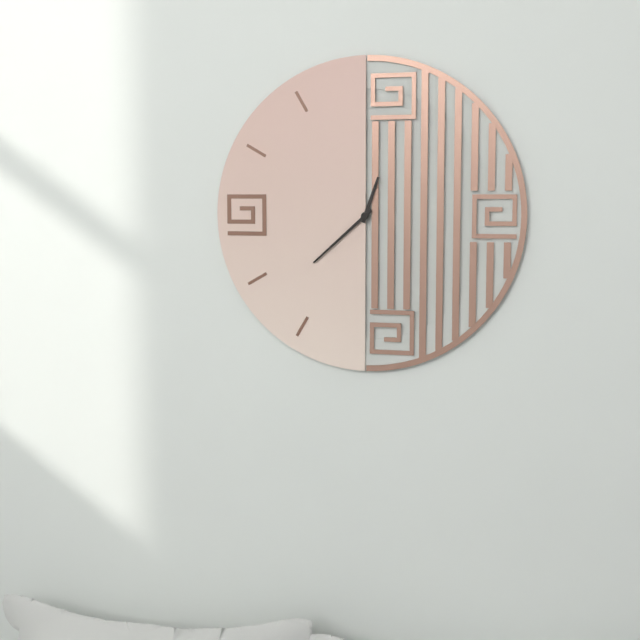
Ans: 12:38
